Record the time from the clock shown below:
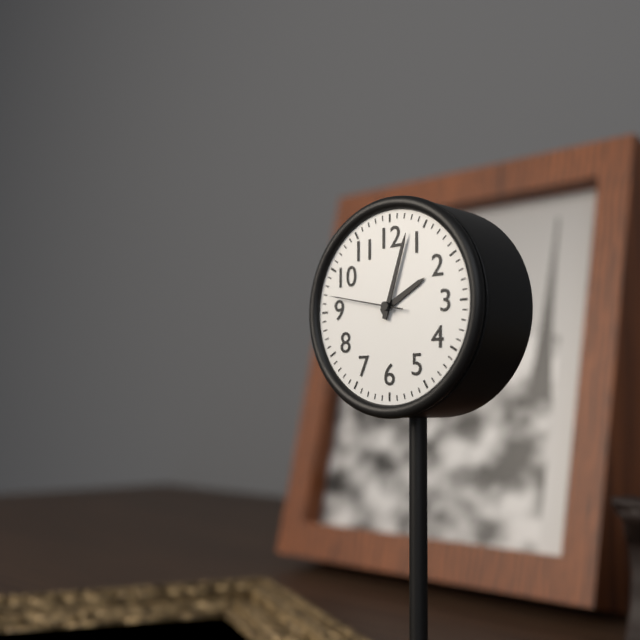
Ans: 2:03:47
